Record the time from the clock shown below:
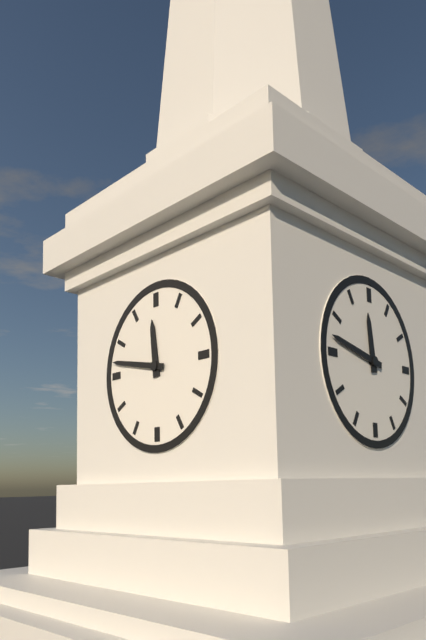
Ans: 11:47
